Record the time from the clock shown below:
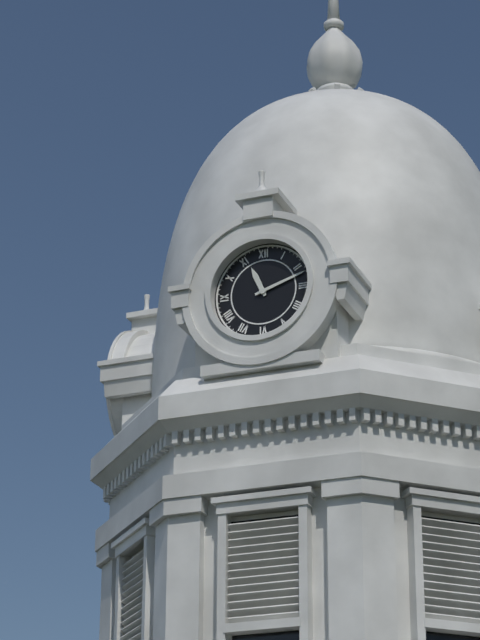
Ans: 11:12
